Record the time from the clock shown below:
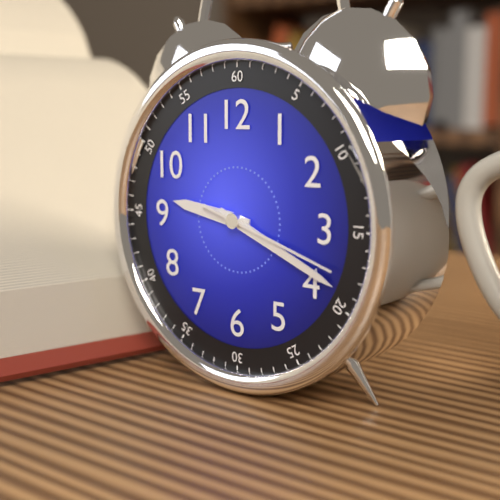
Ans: 9:19:18
